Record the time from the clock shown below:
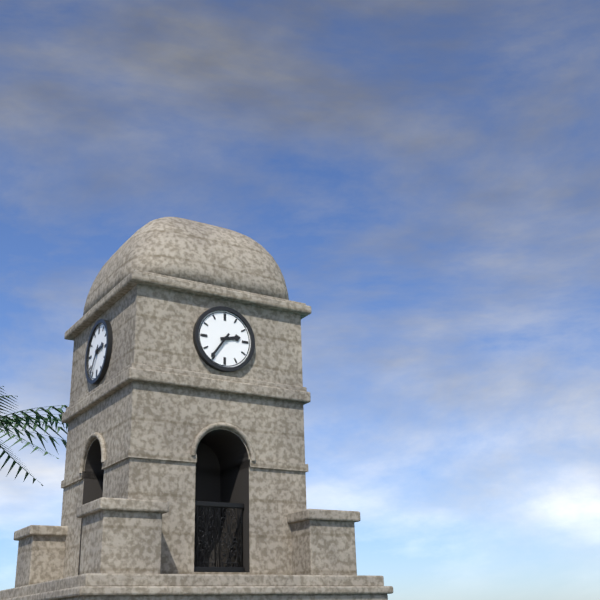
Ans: 2:36
